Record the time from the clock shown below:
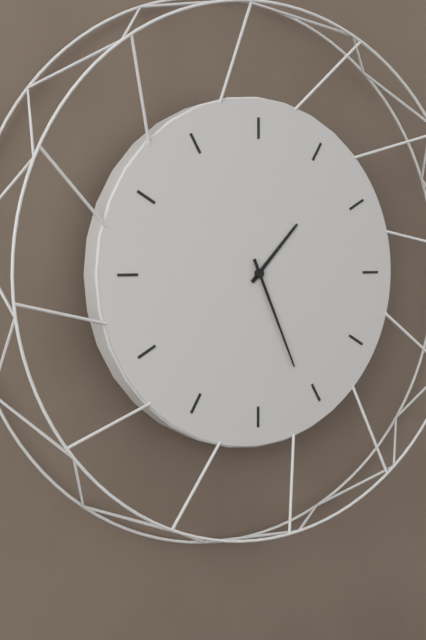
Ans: 1:26
